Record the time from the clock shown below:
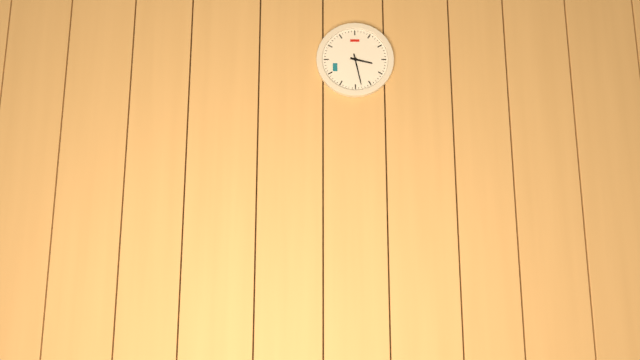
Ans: 3:28
